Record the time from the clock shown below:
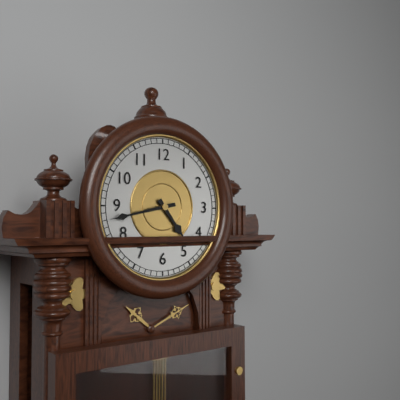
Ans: 4:43
